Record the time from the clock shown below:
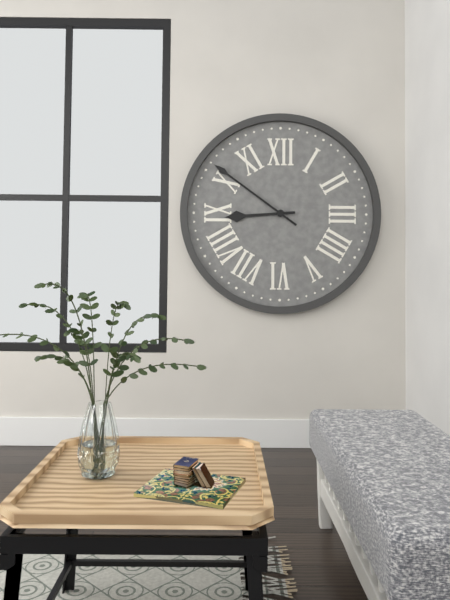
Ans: 8:51
